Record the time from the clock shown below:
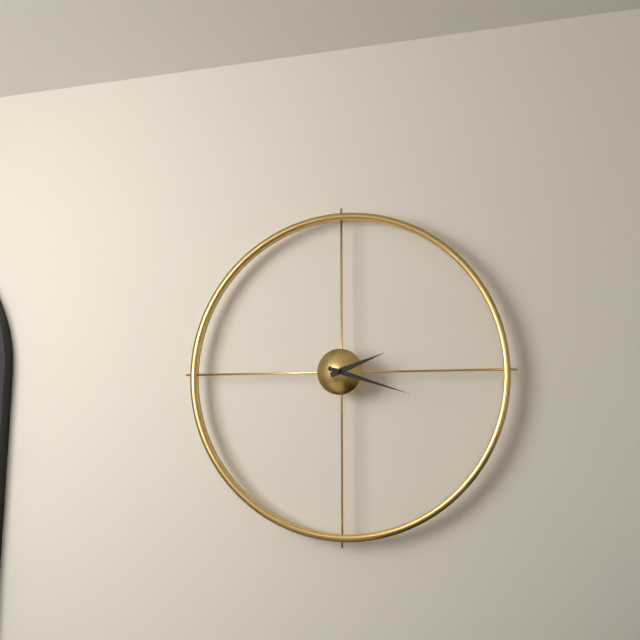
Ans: 2:18
